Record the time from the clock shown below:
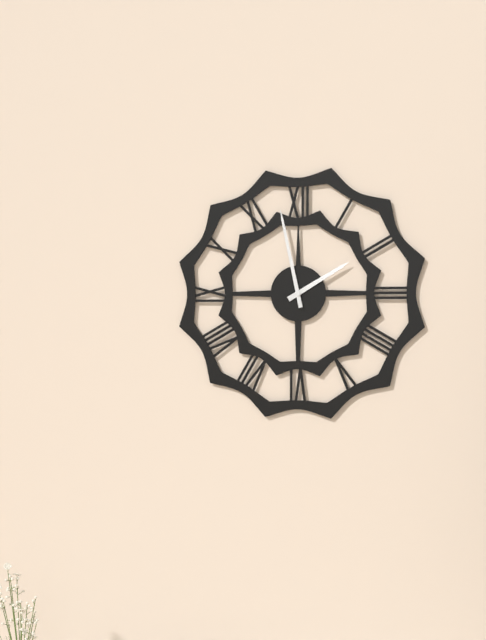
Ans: 1:58
